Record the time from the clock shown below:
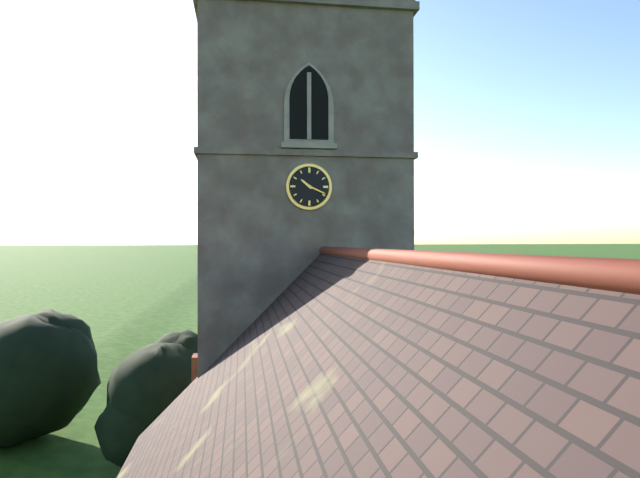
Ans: 10:19
